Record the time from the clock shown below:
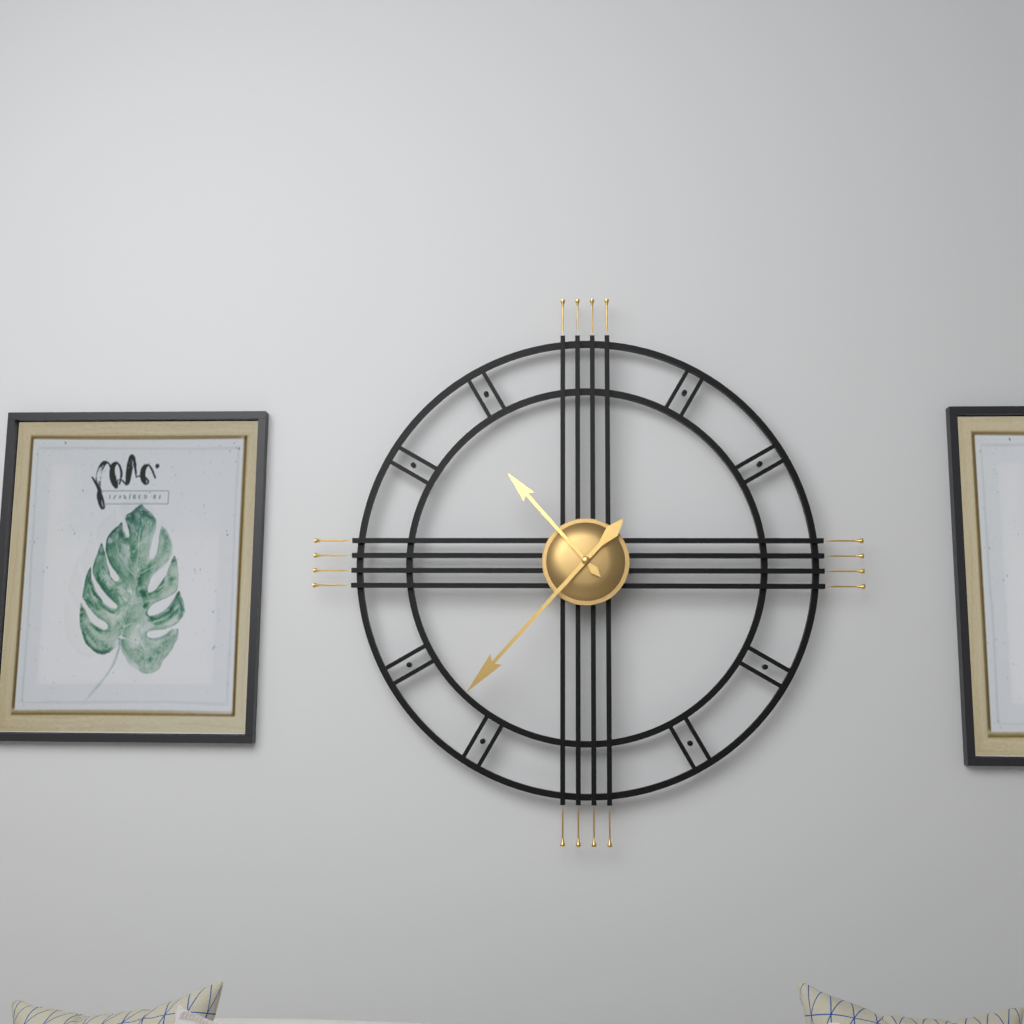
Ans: 10:37
